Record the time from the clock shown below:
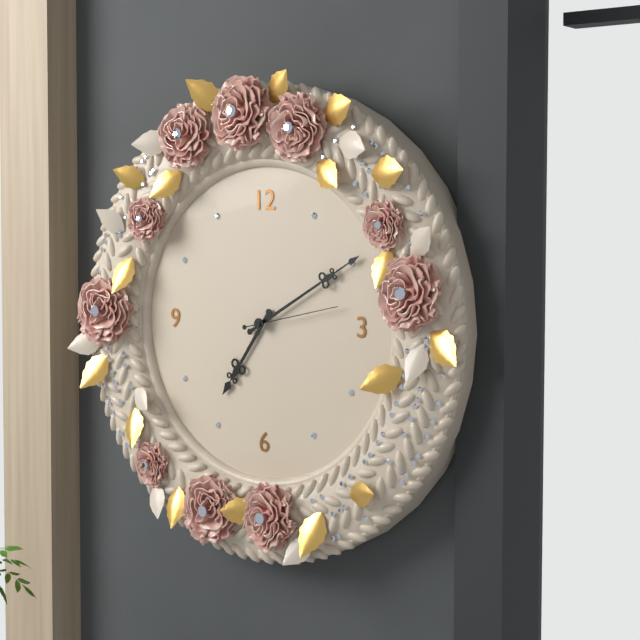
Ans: 7:10:13
